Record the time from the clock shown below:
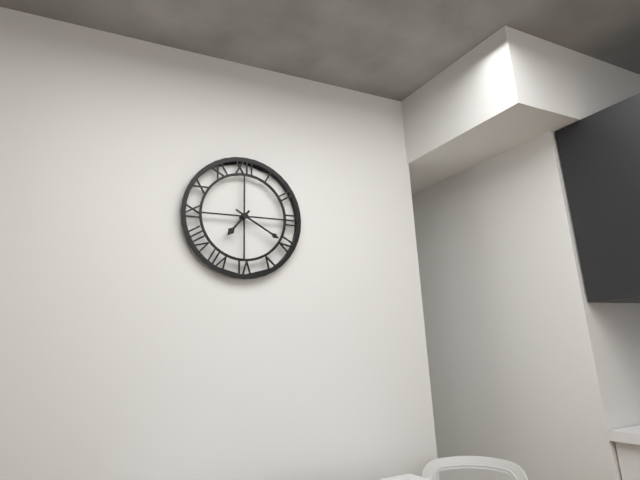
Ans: 7:20
